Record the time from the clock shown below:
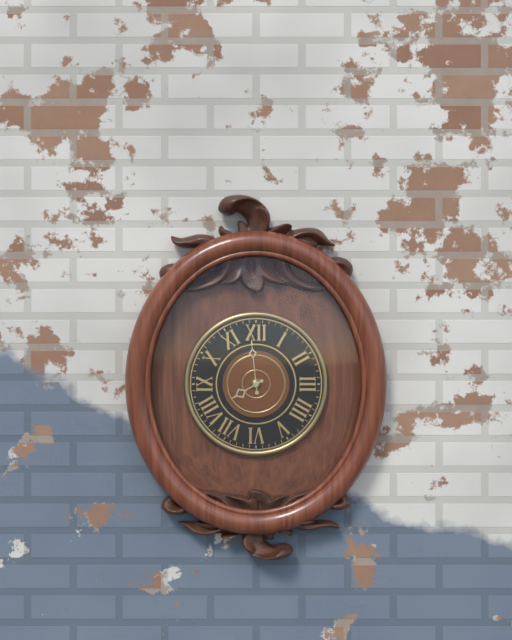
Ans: 7:59
